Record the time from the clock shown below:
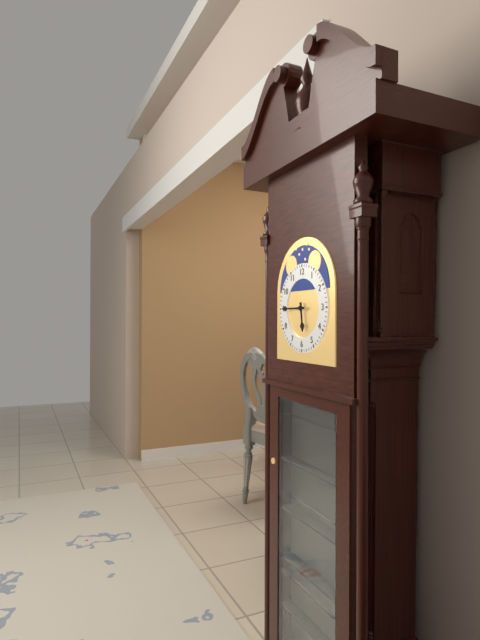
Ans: 5:45
